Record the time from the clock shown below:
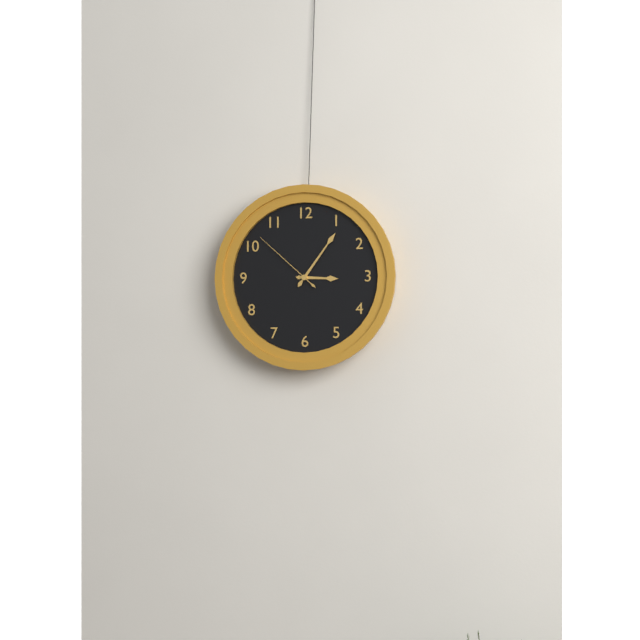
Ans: 3:06:52
